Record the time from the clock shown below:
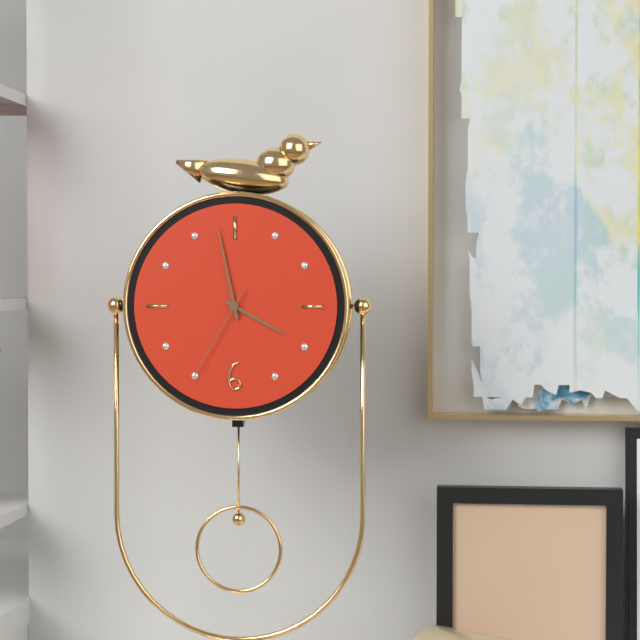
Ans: 3:58:35
